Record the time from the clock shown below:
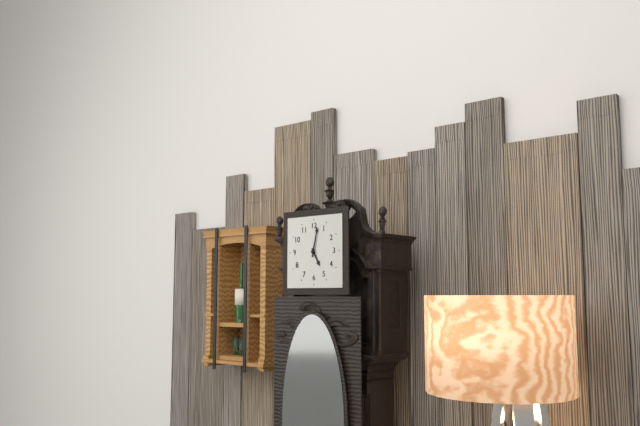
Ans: 5:02
